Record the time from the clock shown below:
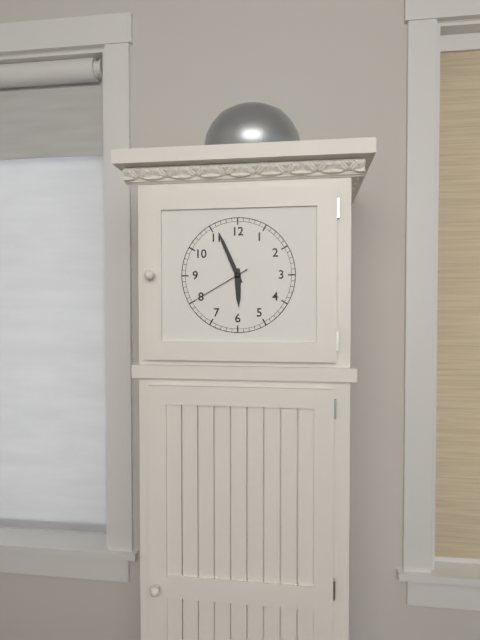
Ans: 5:56:40
